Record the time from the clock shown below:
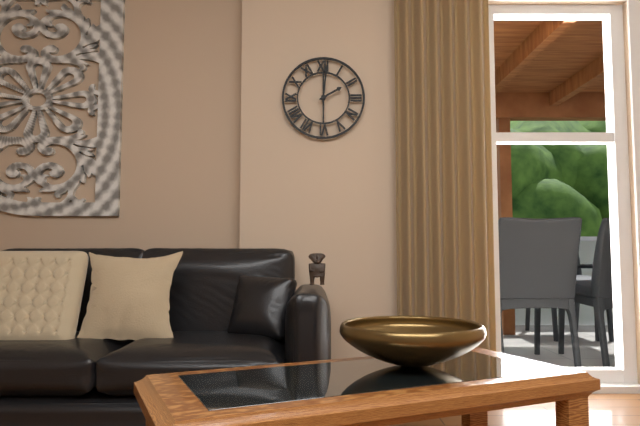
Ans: 2:01
